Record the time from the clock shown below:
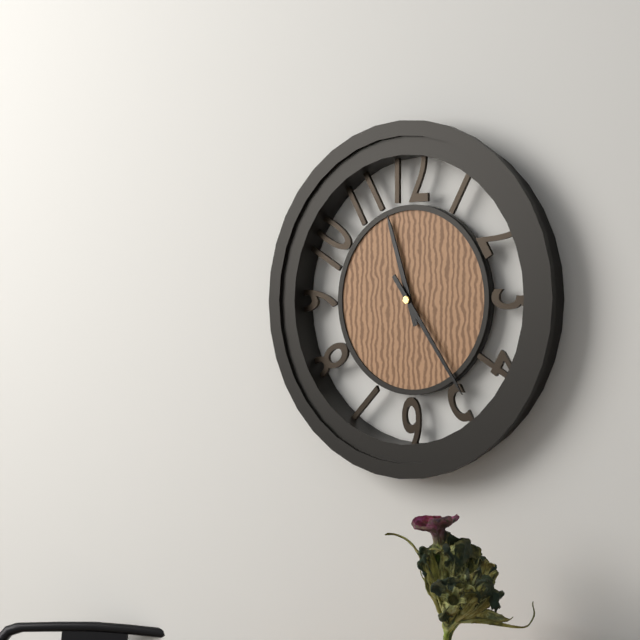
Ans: 11:24
